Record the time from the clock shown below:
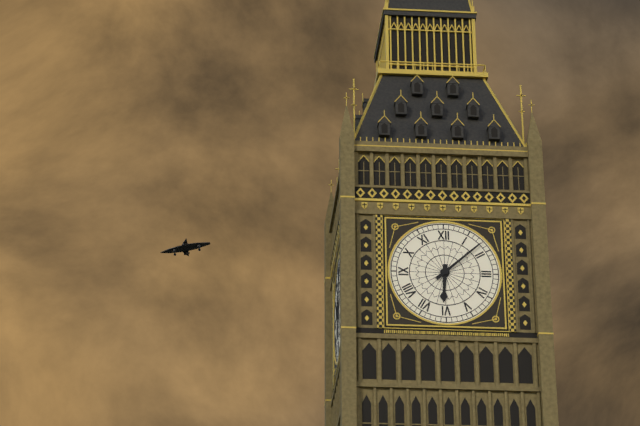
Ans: 6:08
